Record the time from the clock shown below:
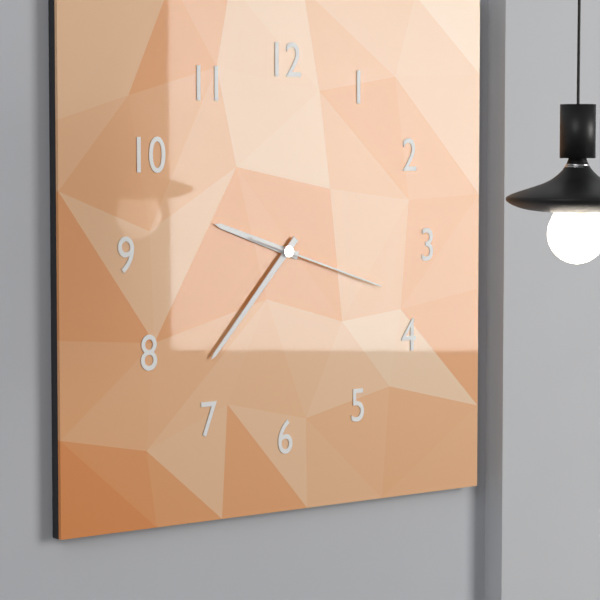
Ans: 9:37:18
